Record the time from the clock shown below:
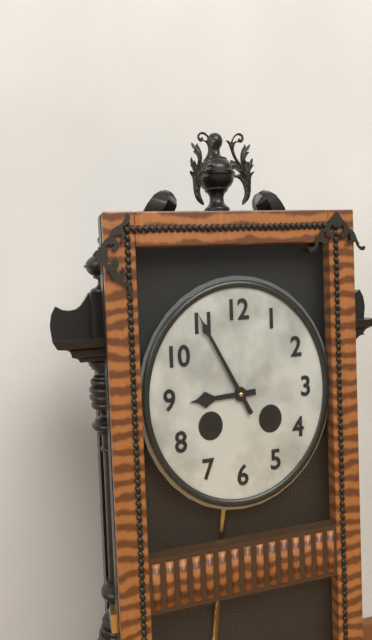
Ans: 8:55
